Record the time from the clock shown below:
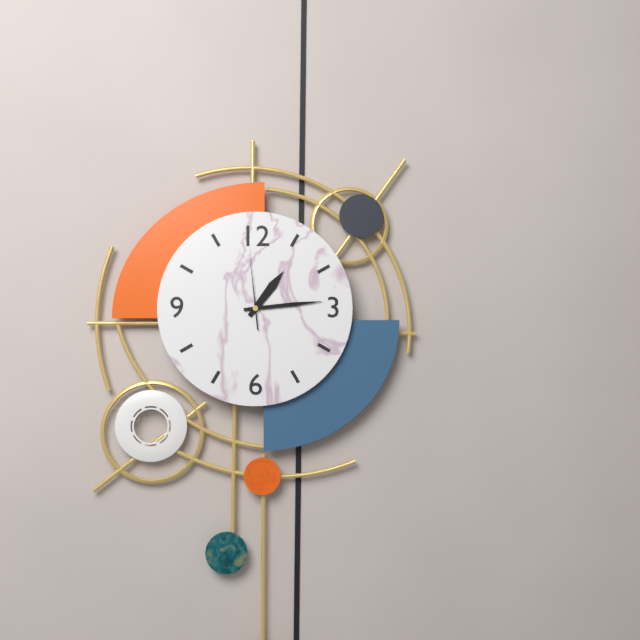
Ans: 1:14:59
